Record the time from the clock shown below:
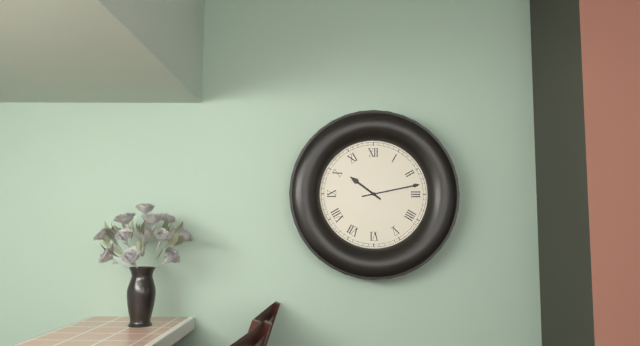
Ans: 10:13
